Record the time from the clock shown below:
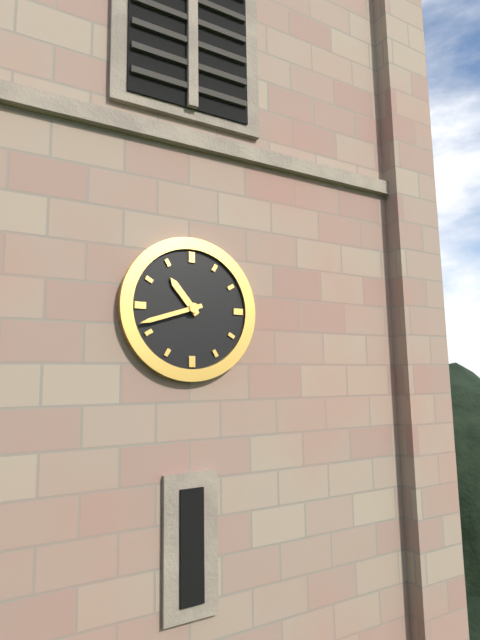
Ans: 10:42
